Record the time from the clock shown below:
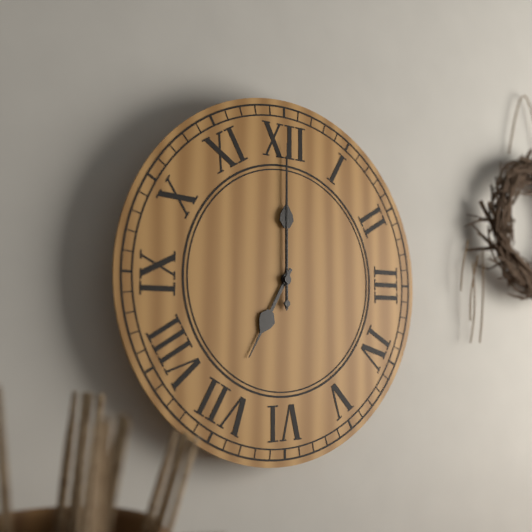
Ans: 7:00:00
